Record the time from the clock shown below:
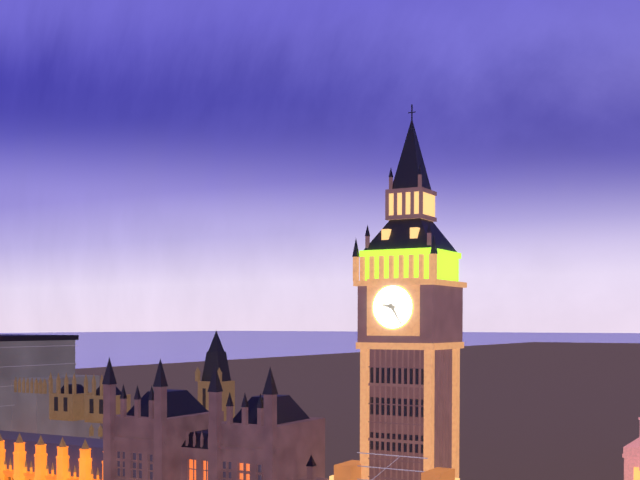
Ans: 9:25
